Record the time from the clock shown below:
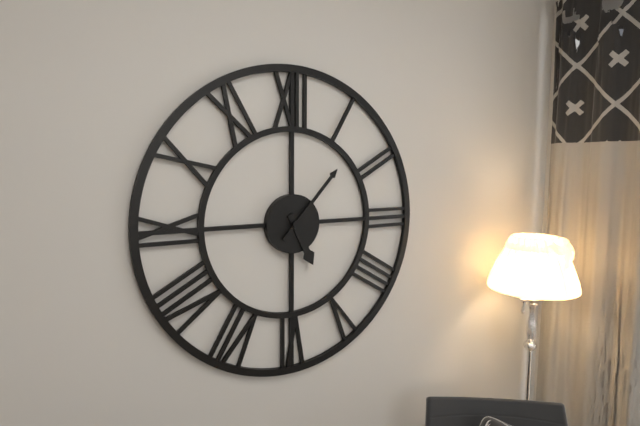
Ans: 5:07
